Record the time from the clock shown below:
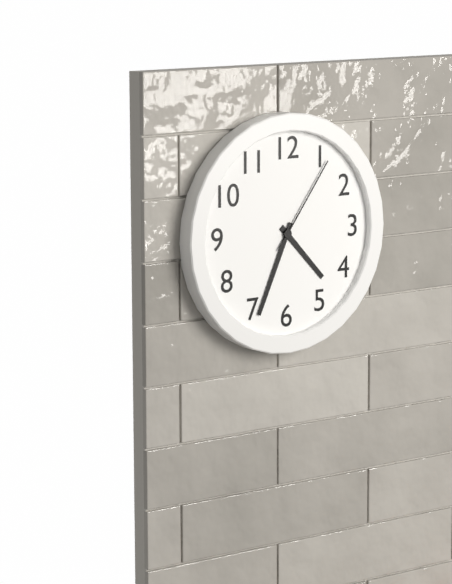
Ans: 4:34:06
